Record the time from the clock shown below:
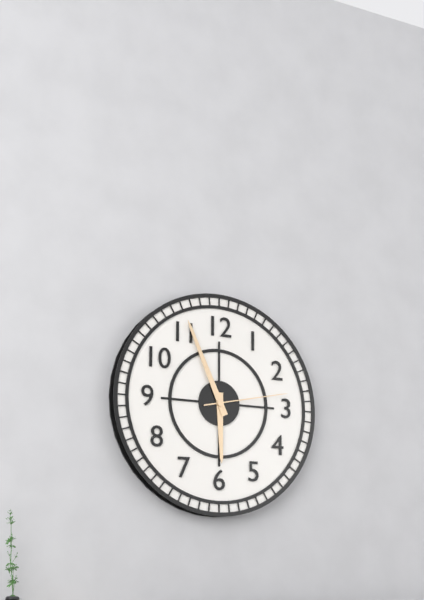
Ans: 5:56:13
